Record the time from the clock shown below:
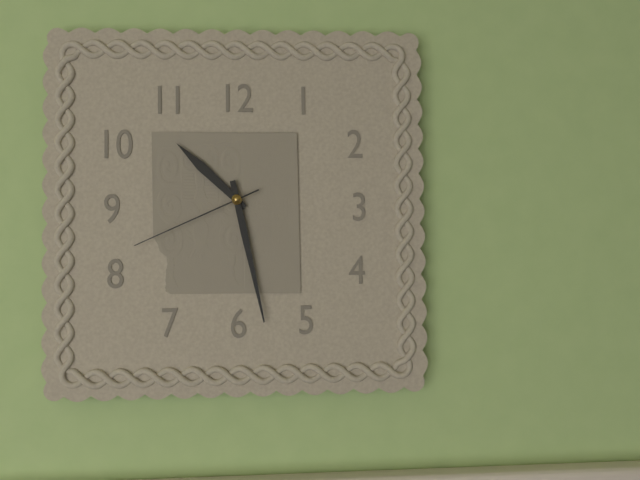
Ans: 10:28:41
